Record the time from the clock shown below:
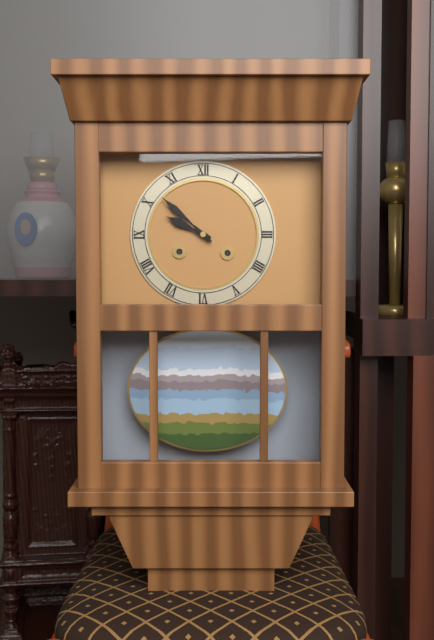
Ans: 9:52
